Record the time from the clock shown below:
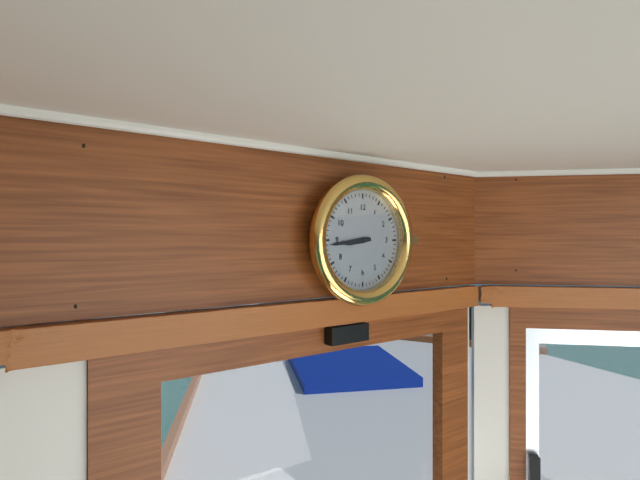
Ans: 8:44
